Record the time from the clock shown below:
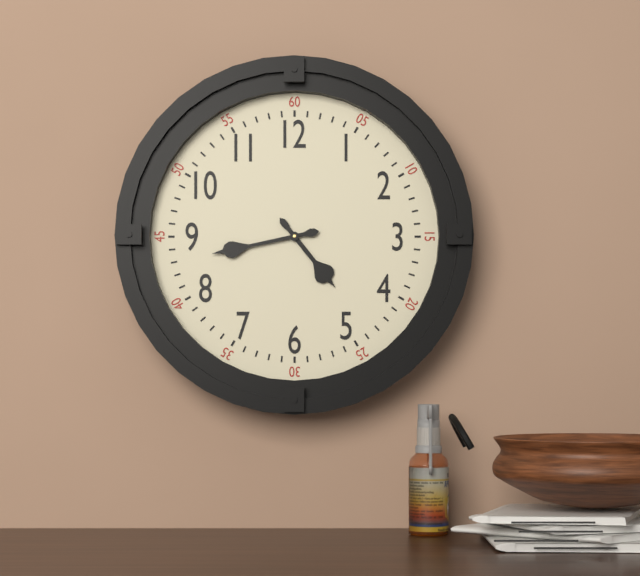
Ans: 4:43
